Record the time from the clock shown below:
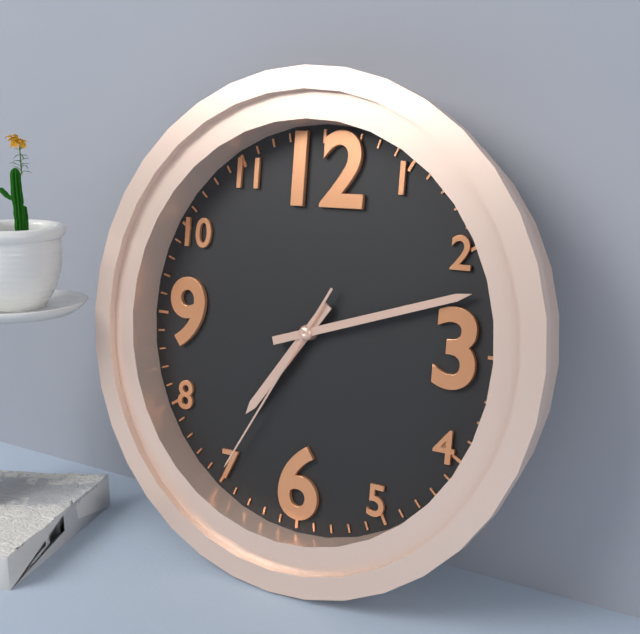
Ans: 7:12:35
